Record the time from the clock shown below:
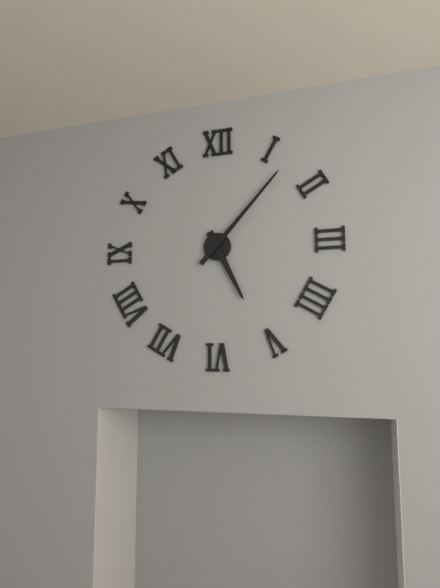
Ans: 5:07
